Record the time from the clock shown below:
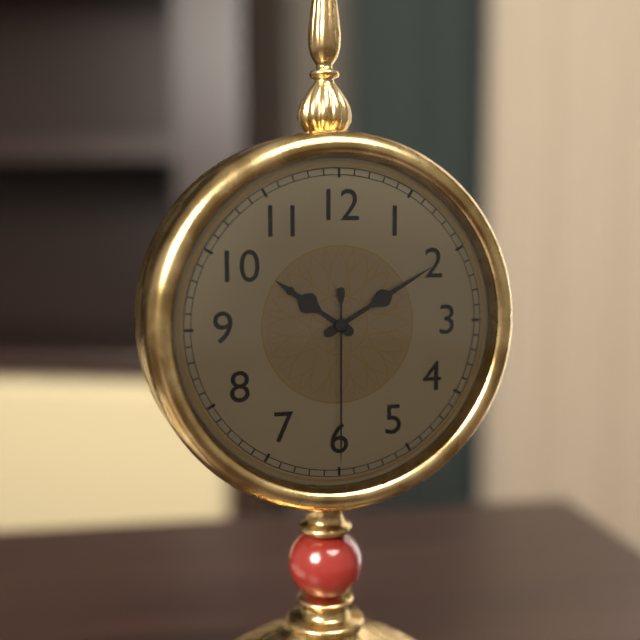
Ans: 10:10:30
